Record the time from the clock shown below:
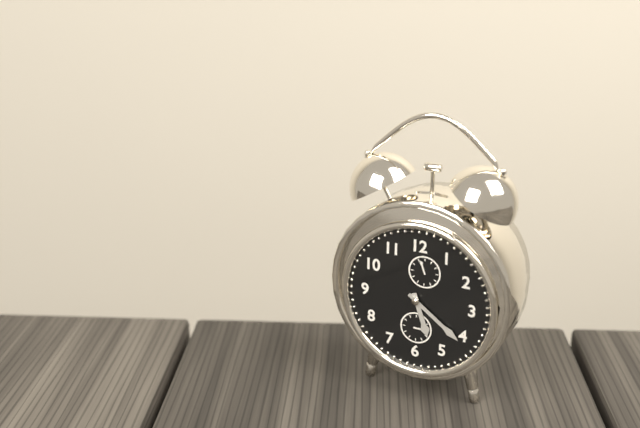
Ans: 5:21
